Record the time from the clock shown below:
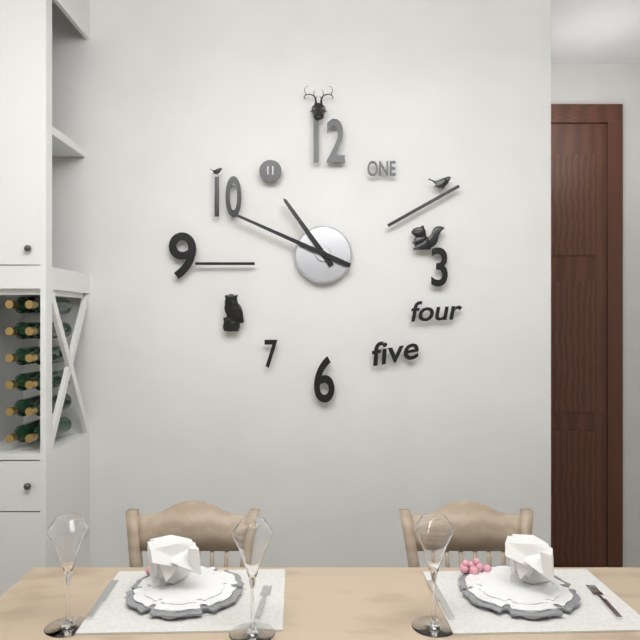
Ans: 10:49
